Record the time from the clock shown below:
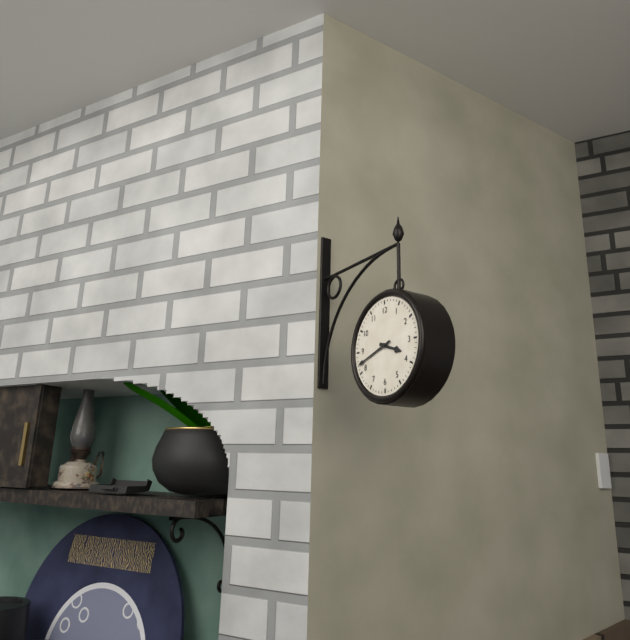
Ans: 3:42
